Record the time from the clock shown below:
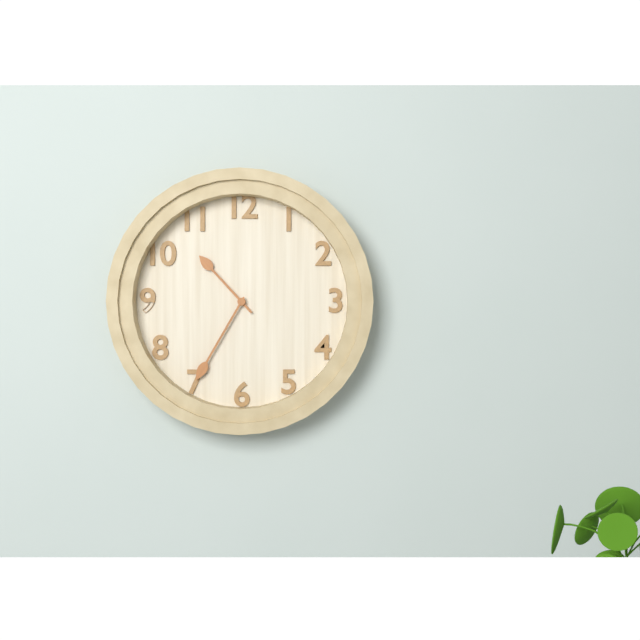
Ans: 10:35
